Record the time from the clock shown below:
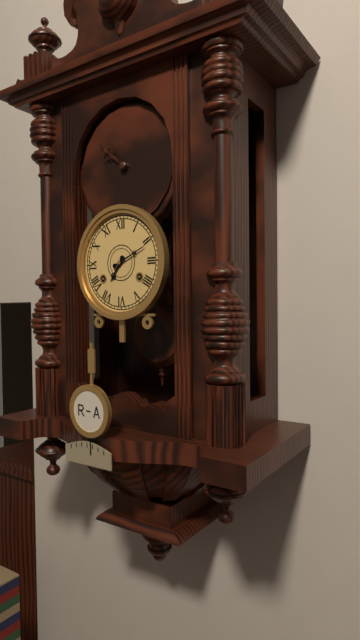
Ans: 7:11
